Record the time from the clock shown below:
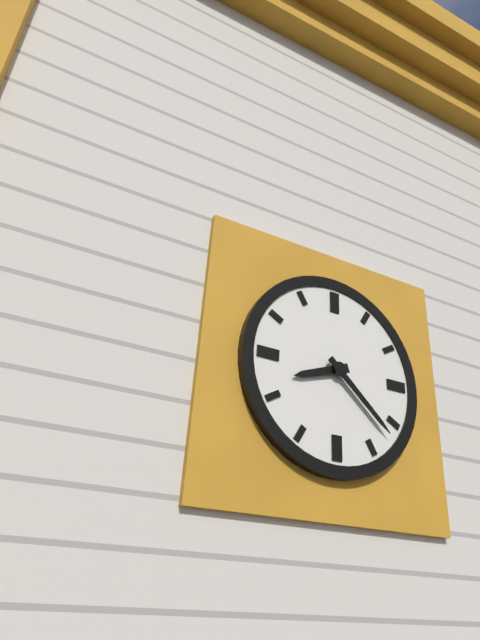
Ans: 8:22
